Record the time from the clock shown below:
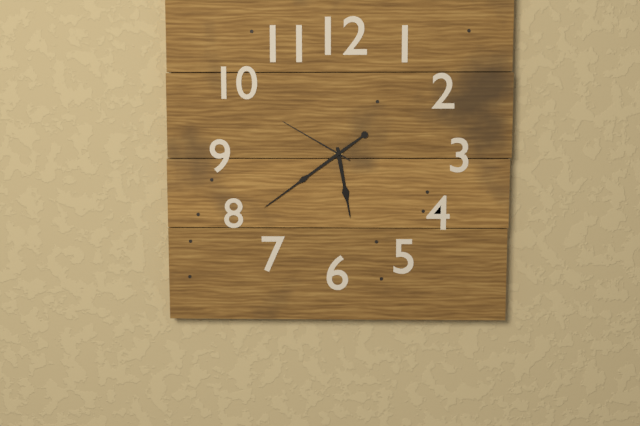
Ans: 5:39:50
